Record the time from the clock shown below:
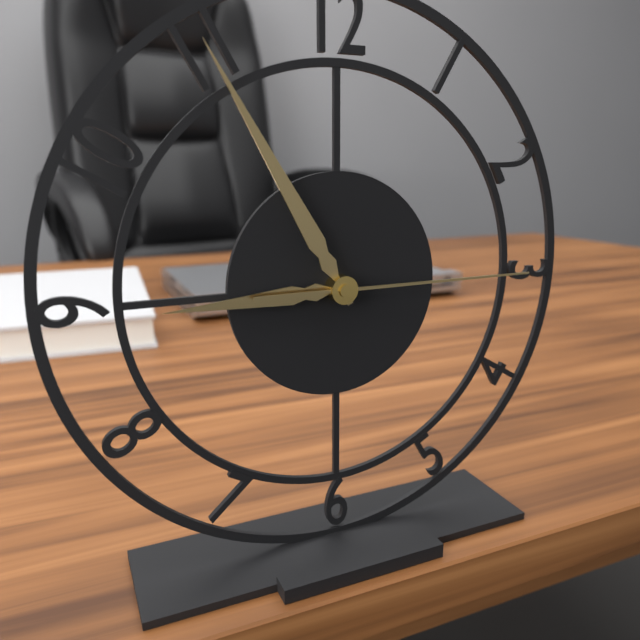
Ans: 8:55:15
